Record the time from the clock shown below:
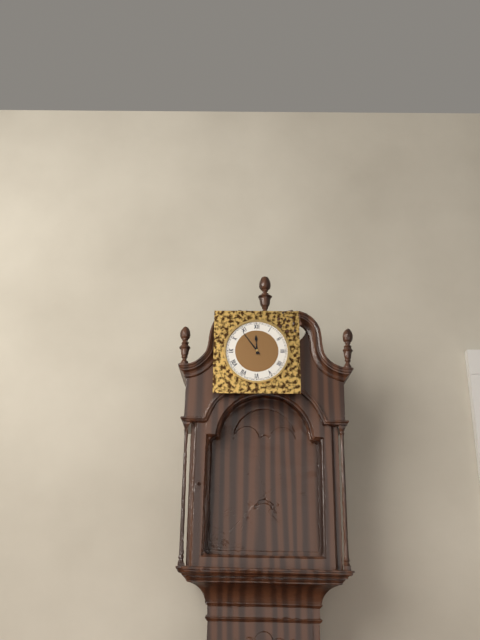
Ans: 11:54
